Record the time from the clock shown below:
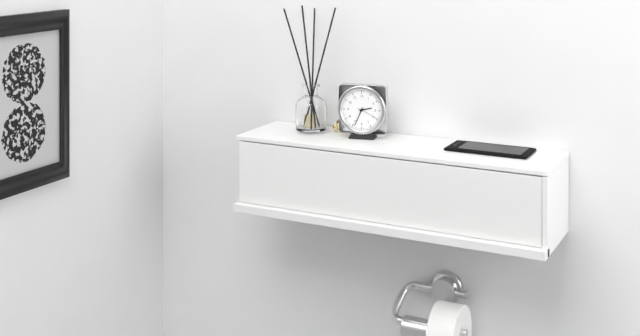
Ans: 2:34
